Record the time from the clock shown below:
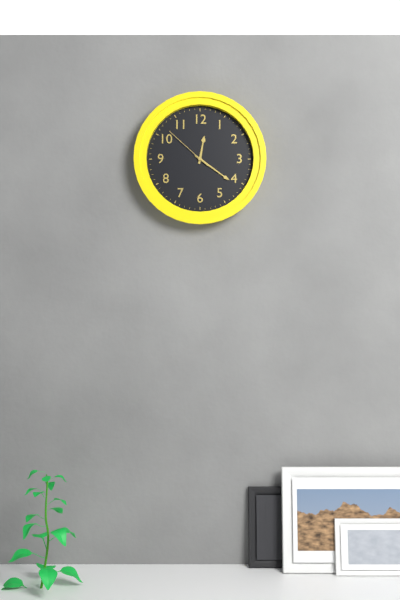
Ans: 12:21:52
